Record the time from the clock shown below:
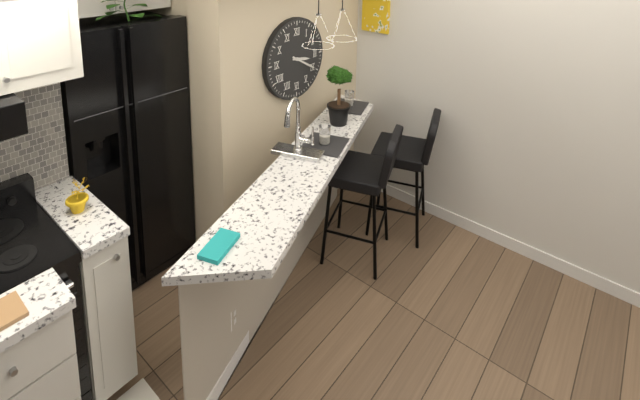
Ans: 3:20
